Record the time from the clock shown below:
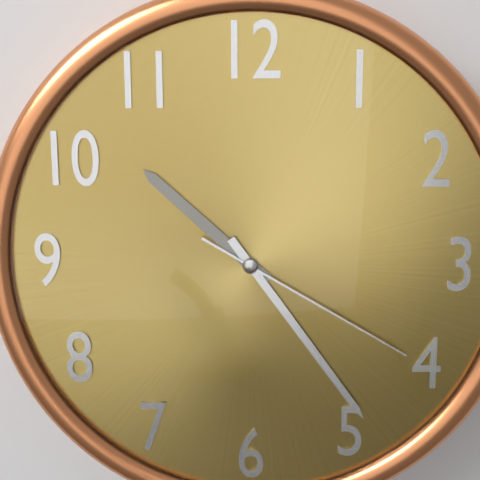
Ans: 10:24:20
